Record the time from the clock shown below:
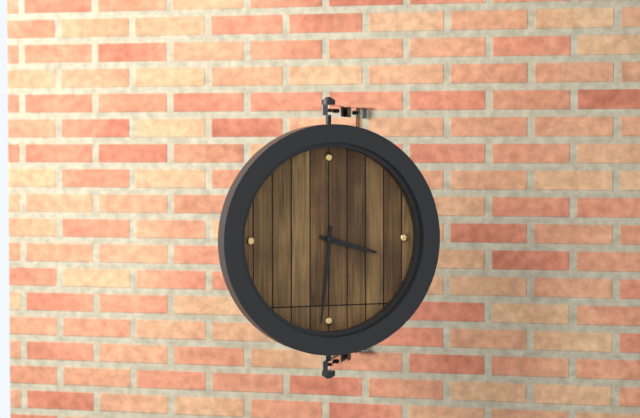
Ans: 3:31
